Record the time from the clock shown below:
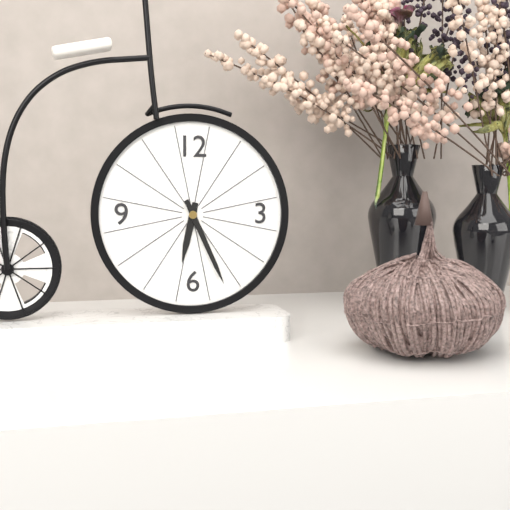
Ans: 6:26
